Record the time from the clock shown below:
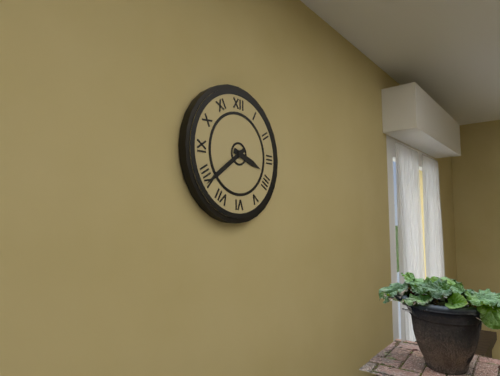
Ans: 3:39
